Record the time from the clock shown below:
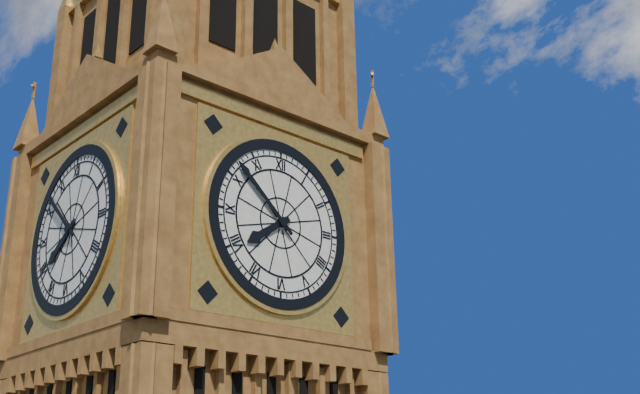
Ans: 7:52
